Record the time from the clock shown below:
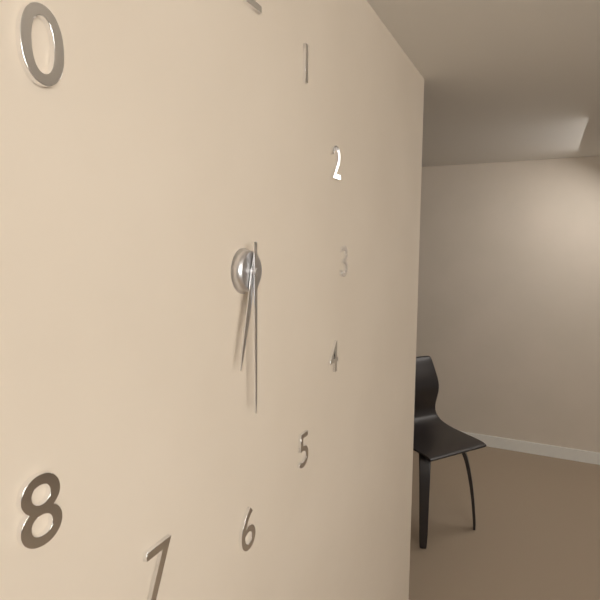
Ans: 6:30
